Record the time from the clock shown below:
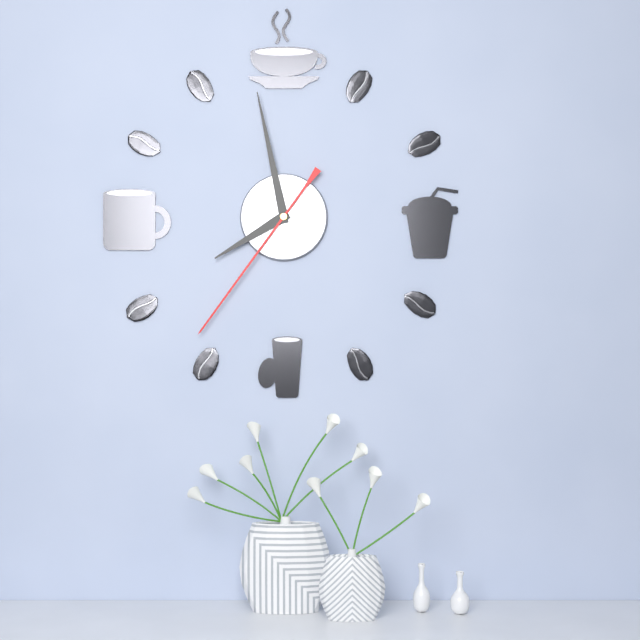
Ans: 7:58:36
